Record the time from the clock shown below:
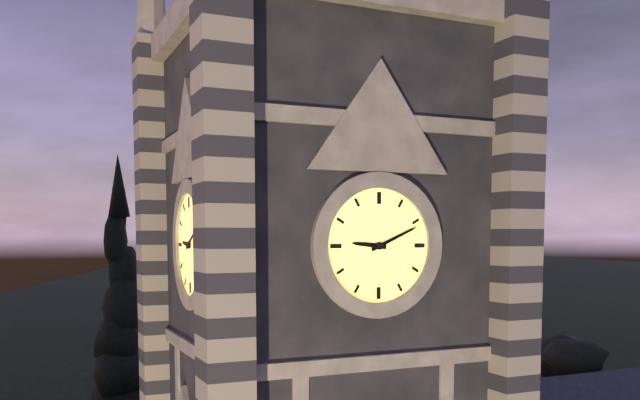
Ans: 9:11
